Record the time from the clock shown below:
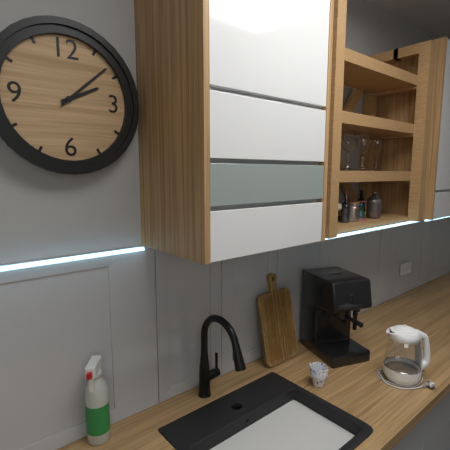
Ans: 2:08
